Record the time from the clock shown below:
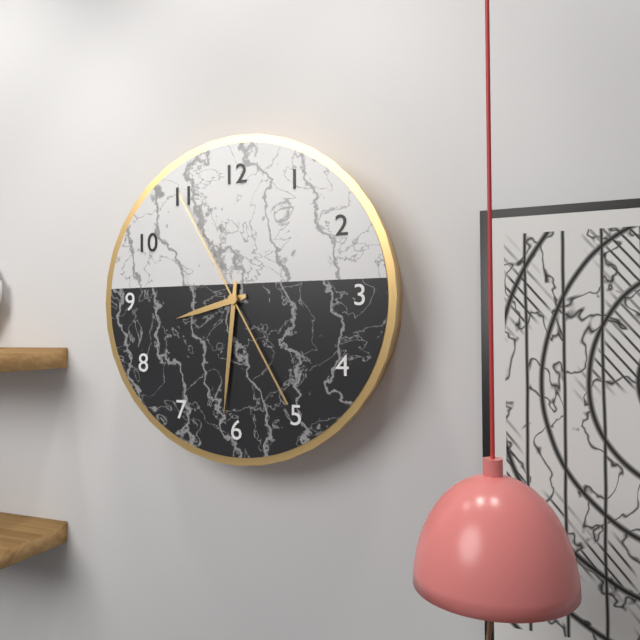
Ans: 8:31:55
